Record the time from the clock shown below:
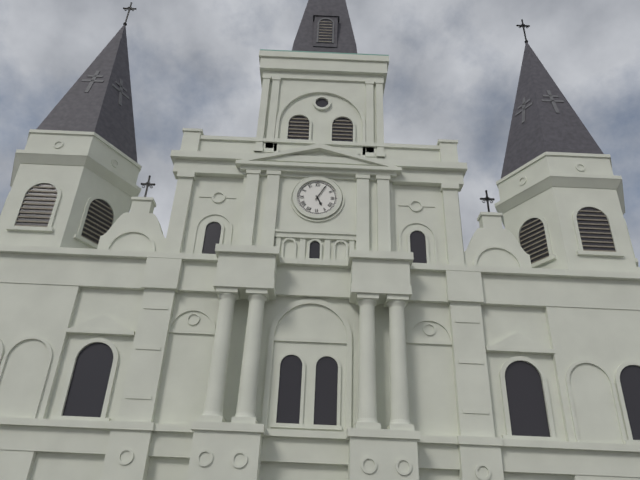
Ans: 5:05
